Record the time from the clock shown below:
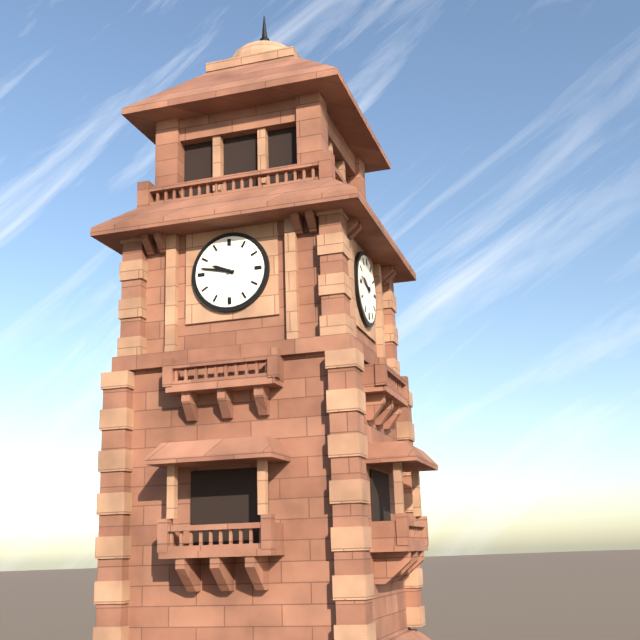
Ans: 9:47
